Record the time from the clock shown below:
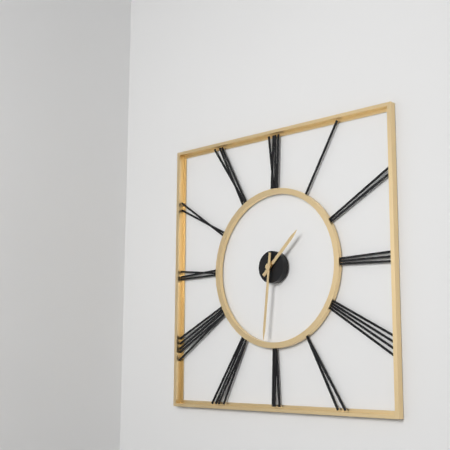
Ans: 1:31
